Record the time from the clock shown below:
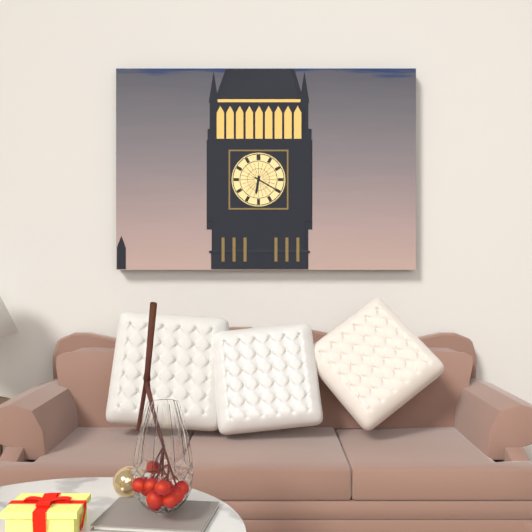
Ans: 6:20
